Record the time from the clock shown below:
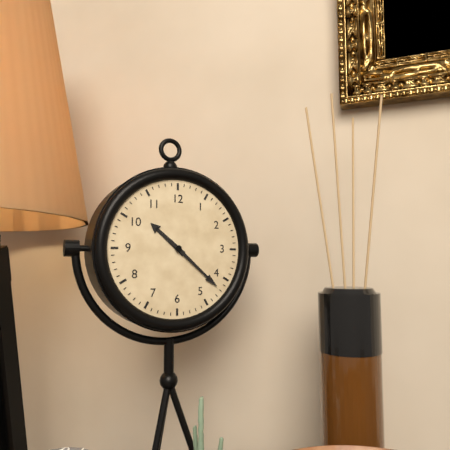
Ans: 10:22
